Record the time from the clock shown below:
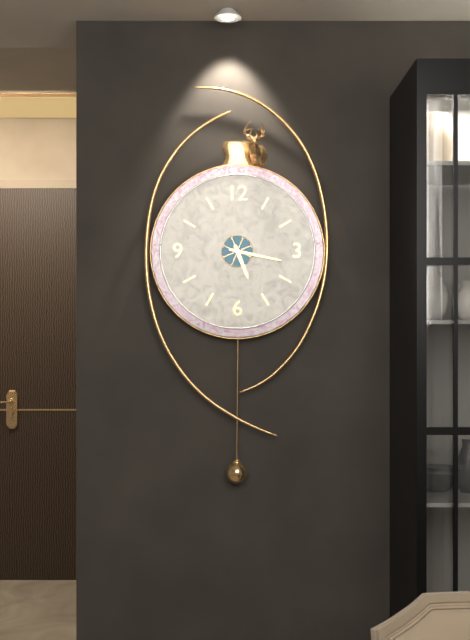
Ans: 5:17
